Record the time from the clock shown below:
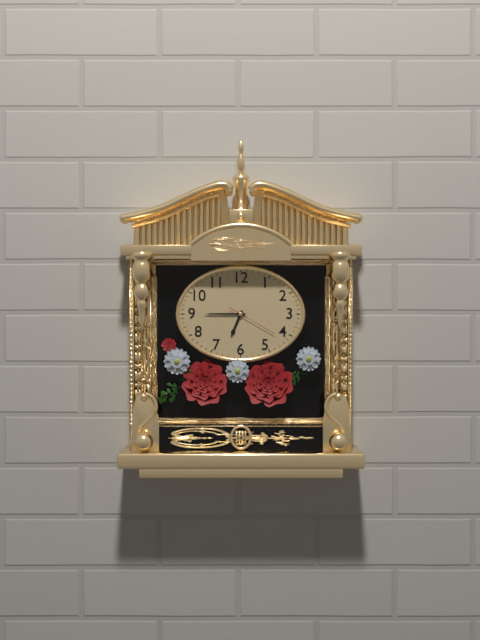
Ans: 6:45
